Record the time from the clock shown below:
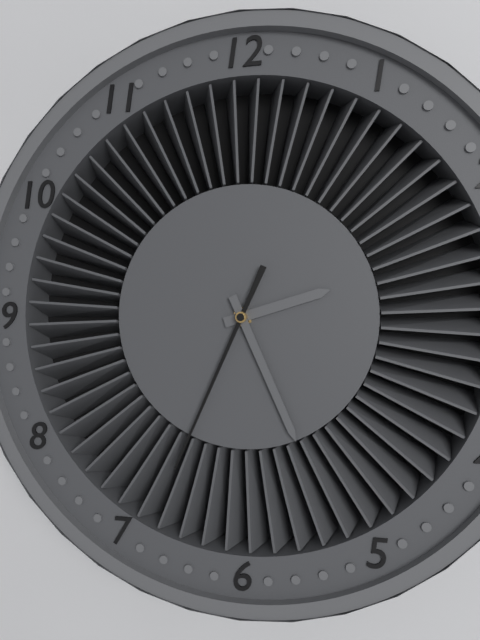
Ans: 2:26:34
